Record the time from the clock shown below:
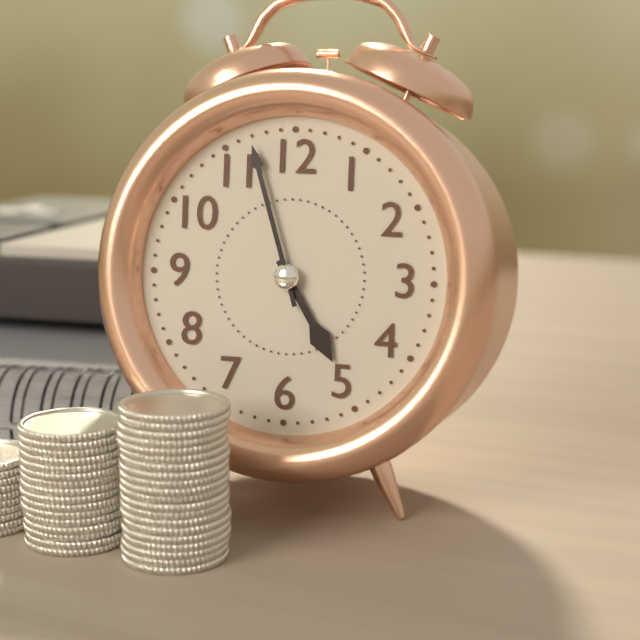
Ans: 4:57
